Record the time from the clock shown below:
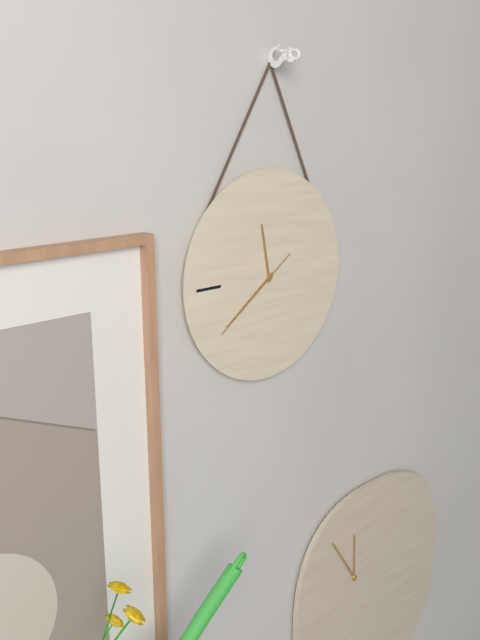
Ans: 11:39:39
